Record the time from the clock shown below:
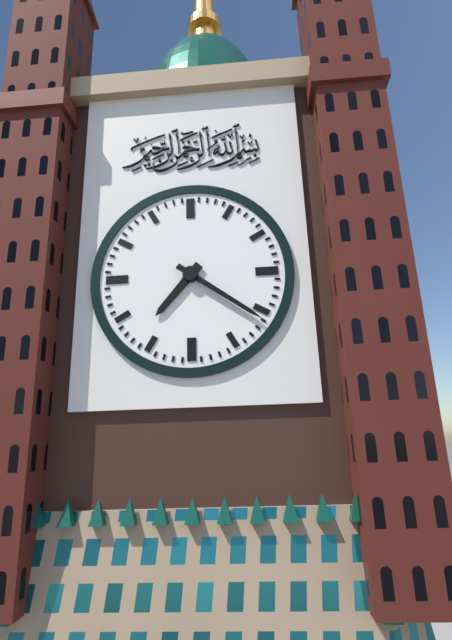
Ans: 7:21
